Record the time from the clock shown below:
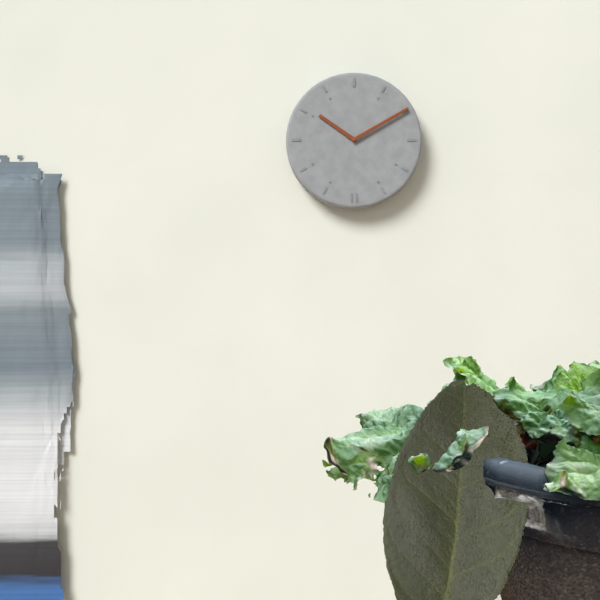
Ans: 10:10
